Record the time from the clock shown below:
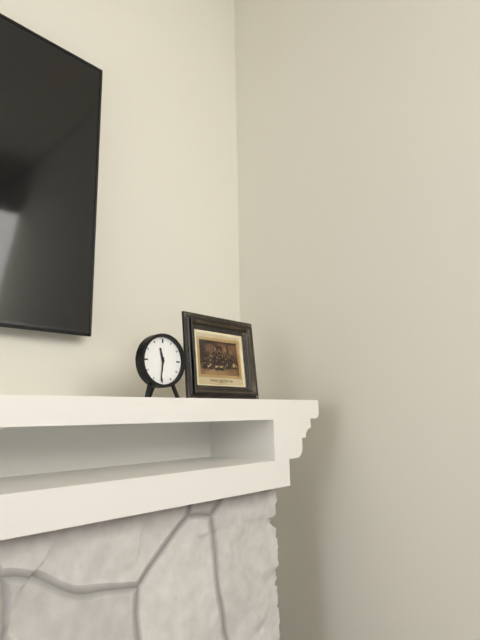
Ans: 11:31
